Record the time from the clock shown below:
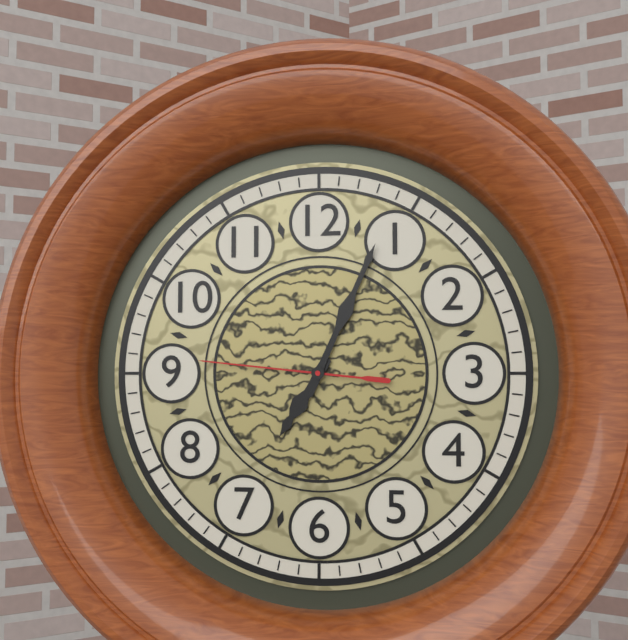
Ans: 7:04:46
